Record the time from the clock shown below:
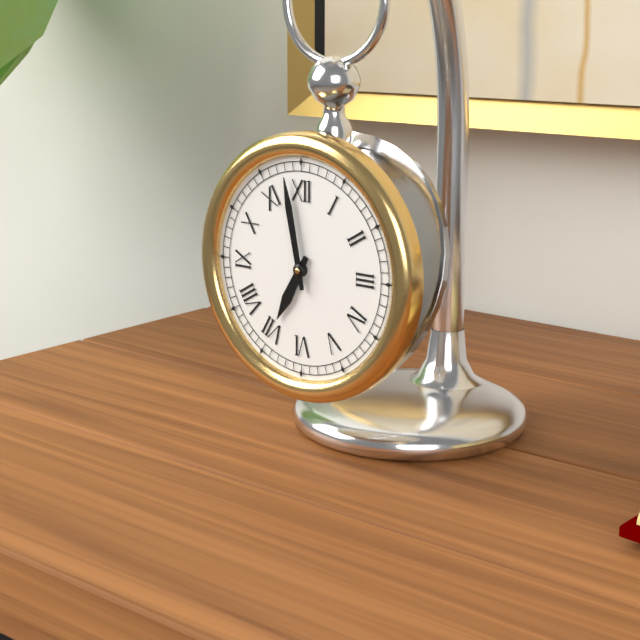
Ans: 6:58
